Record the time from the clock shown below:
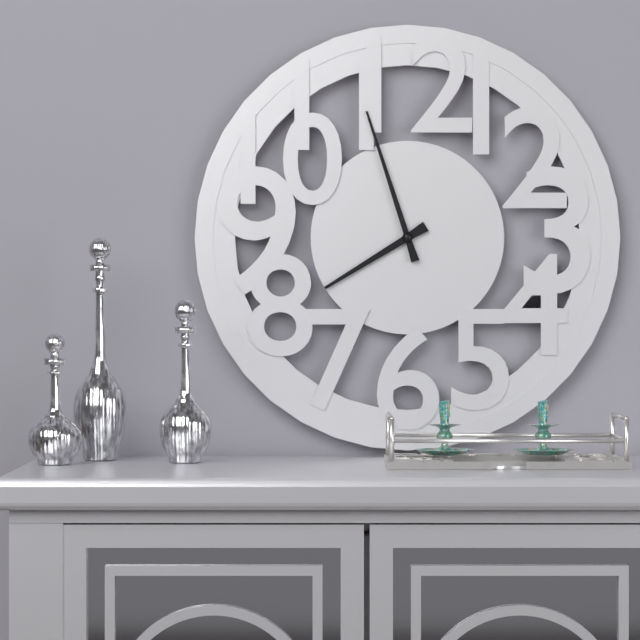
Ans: 7:57
